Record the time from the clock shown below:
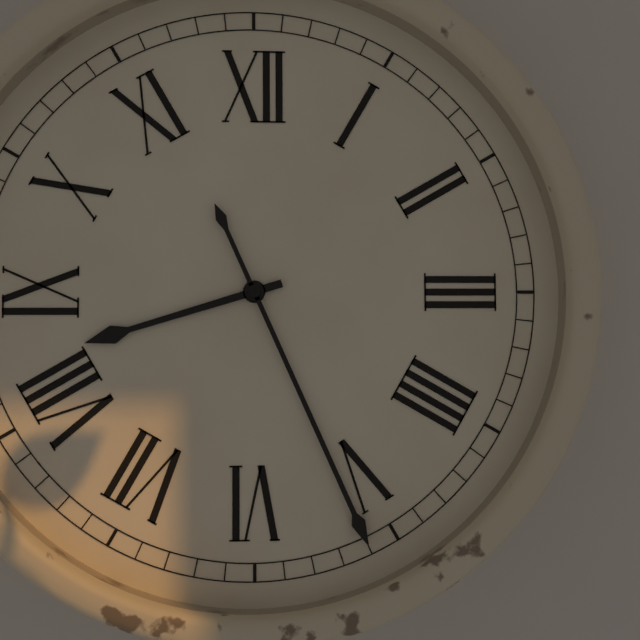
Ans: 8:26
